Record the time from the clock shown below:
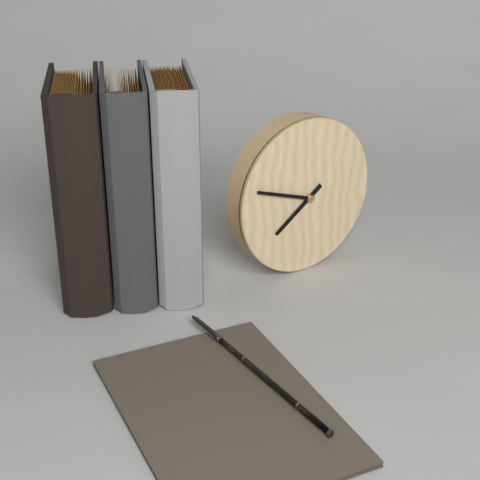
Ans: 7:48
